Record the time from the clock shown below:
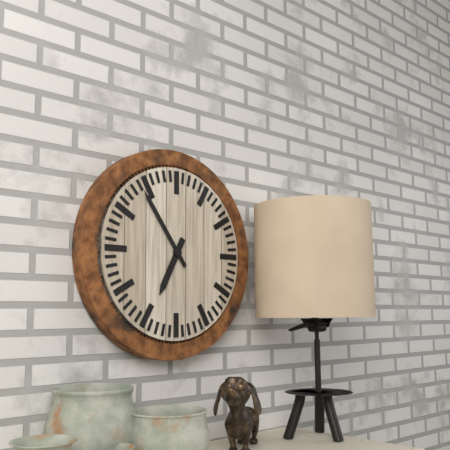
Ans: 6:54
